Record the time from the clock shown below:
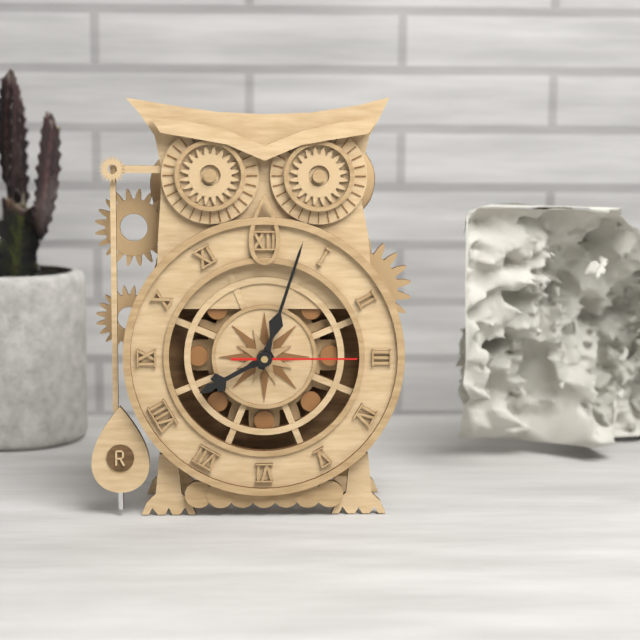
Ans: 8:03:15
